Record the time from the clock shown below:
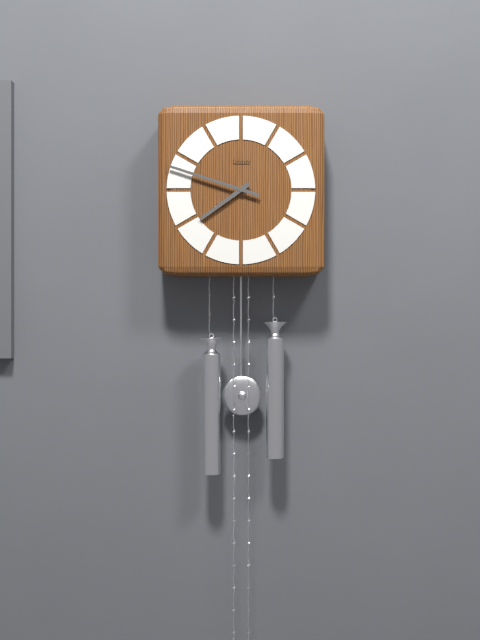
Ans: 7:48
